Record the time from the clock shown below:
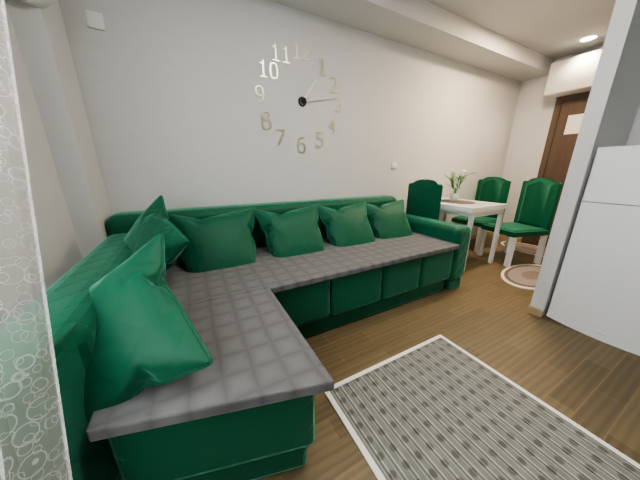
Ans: 1:13
